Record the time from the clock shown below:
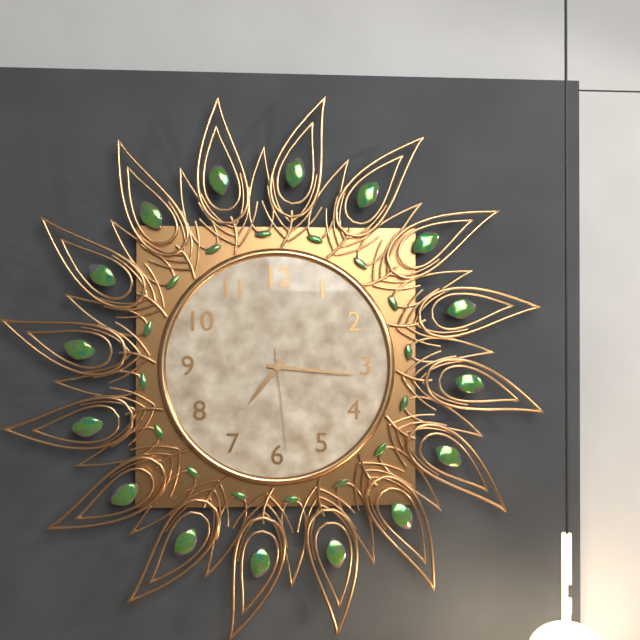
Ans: 7:16:29
